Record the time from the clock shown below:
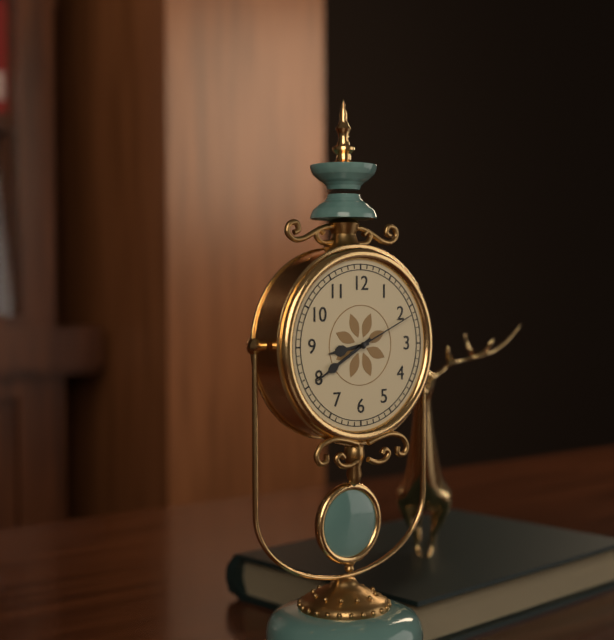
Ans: 8:40:11
